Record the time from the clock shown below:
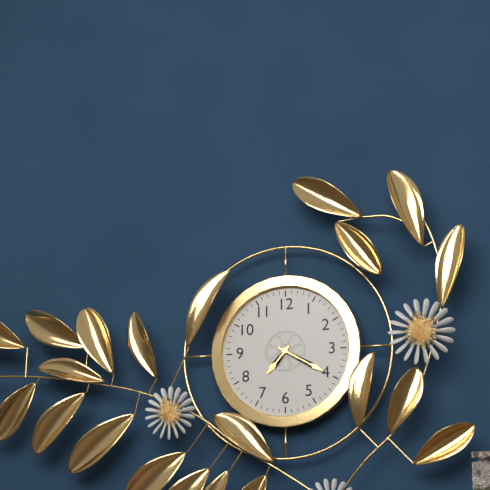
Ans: 7:20
